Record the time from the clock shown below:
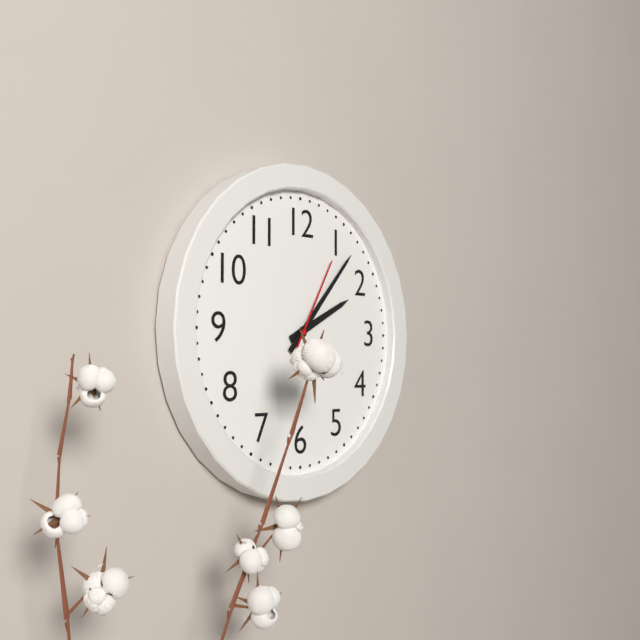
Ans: 2:07:05
